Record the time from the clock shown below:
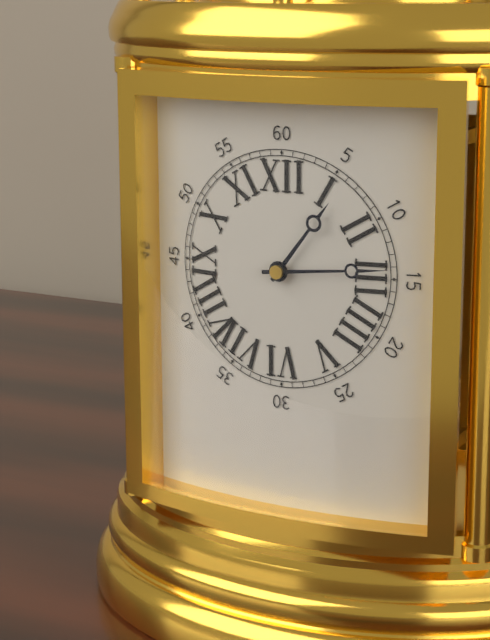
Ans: 1:14
